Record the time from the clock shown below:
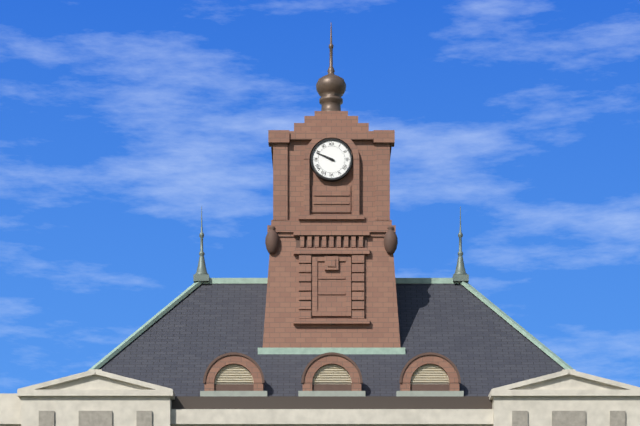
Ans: 9:49
